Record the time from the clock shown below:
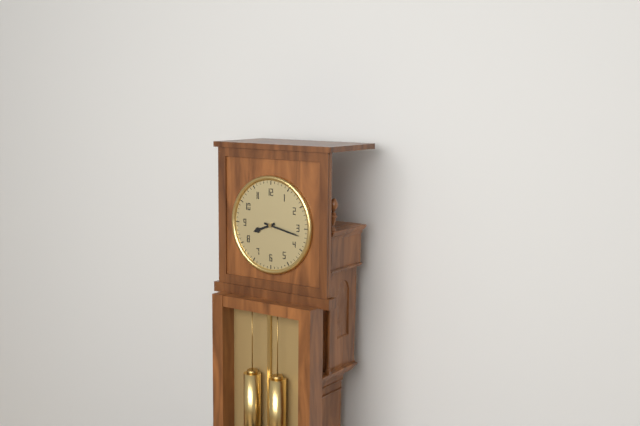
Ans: 8:17
